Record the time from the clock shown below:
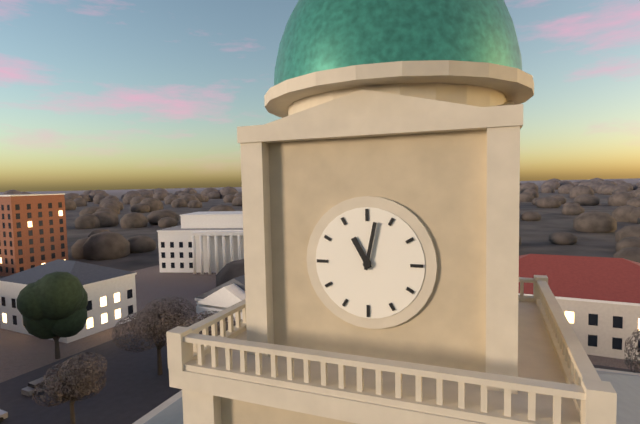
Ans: 11:02
